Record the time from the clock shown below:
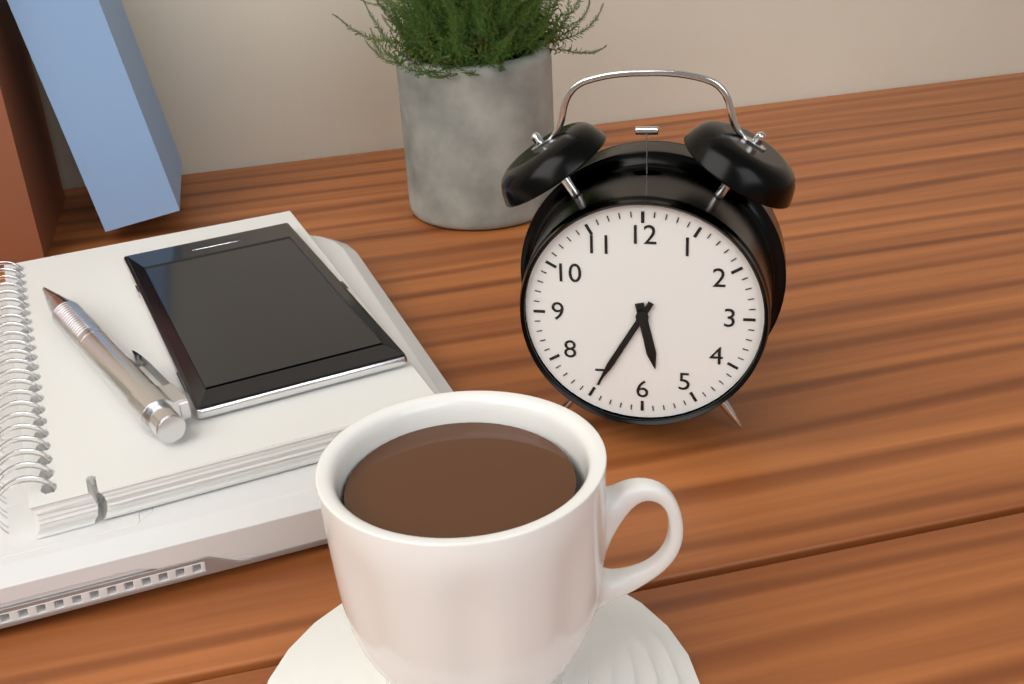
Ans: 5:35
